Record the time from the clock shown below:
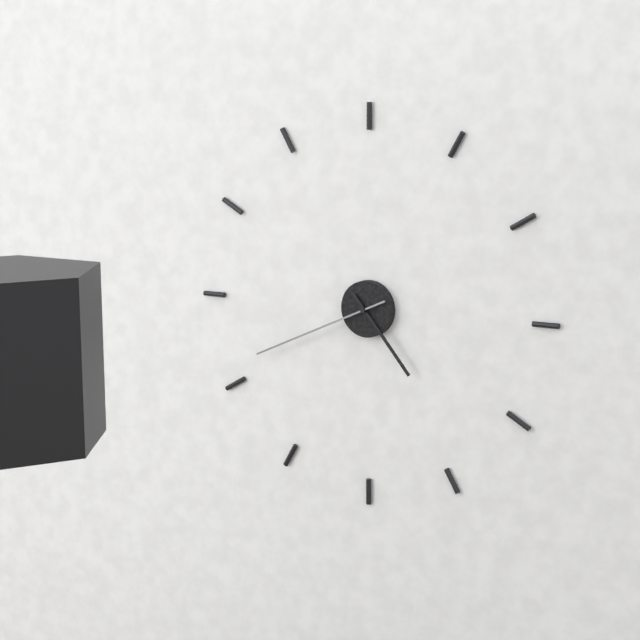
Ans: 4:41
